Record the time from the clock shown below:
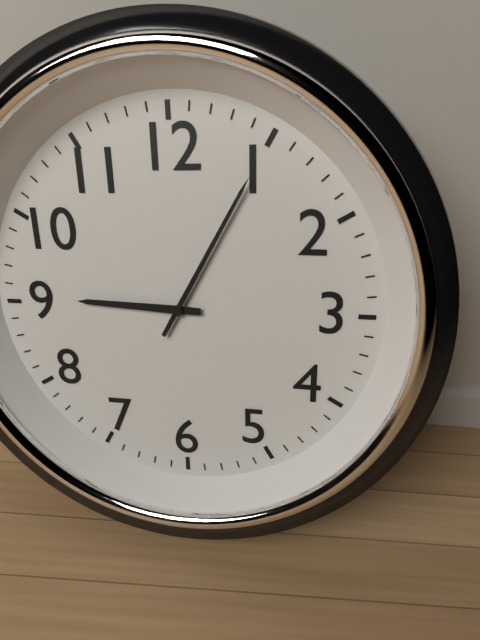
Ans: 9:05
